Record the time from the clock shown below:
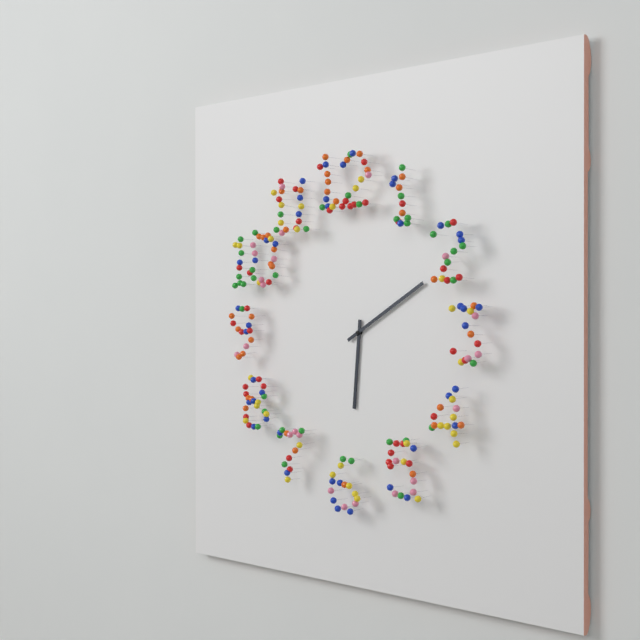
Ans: 6:10
